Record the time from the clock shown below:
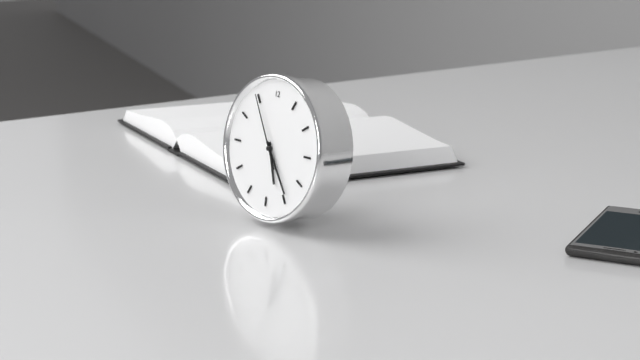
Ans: 5:24:55
